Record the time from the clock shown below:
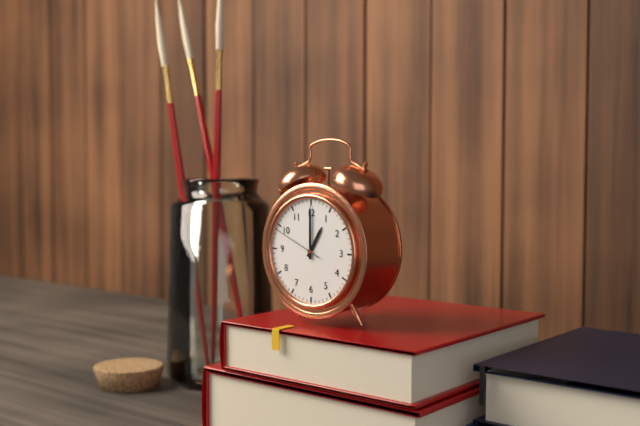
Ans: 1:00:49
